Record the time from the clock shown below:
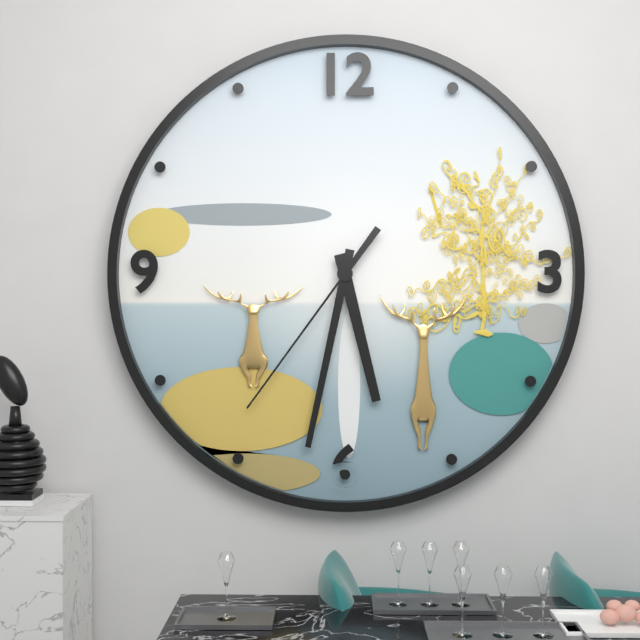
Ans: 5:32:36
